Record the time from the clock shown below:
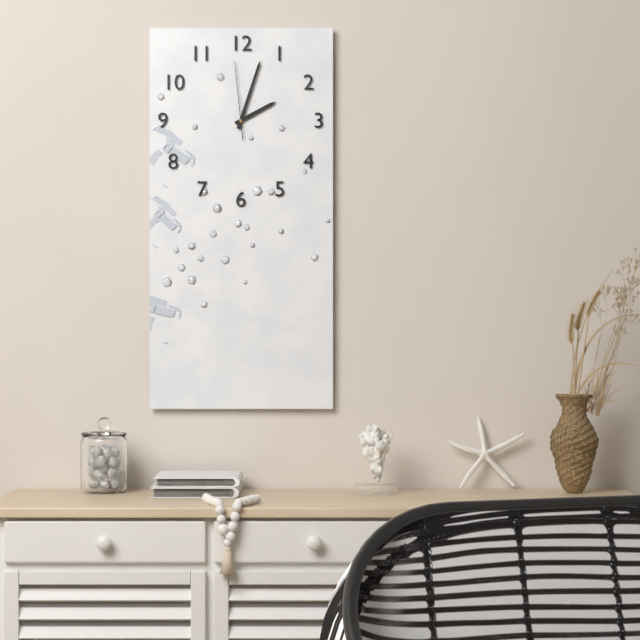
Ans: 2:03:59
